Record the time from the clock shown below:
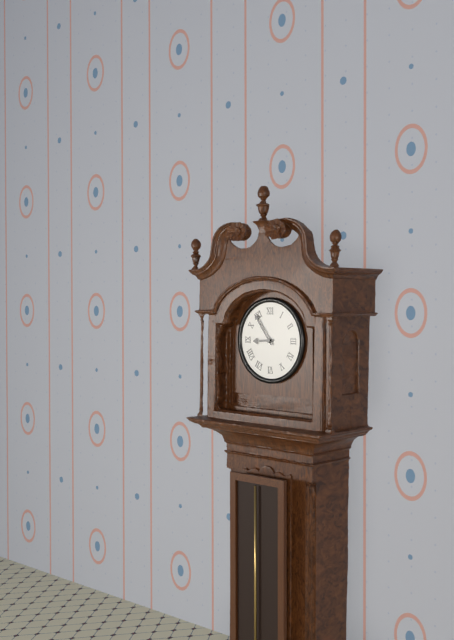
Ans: 8:54
